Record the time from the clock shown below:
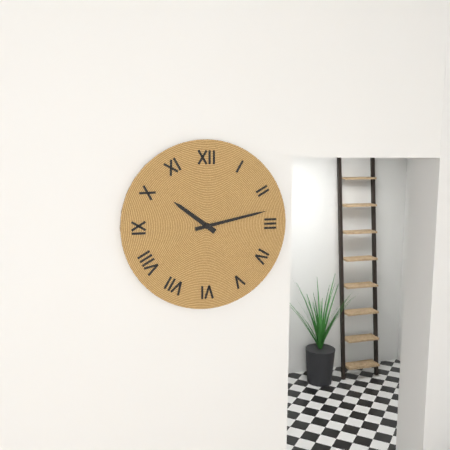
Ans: 10:13
